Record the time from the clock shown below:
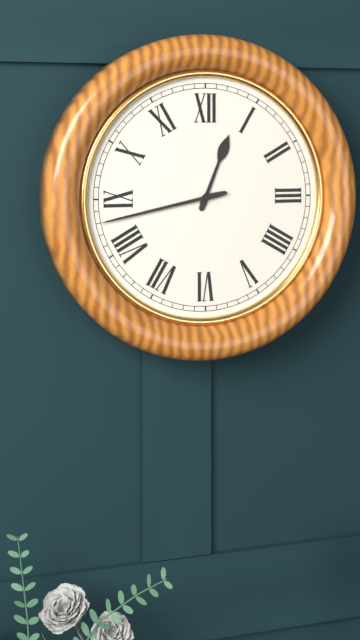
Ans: 12:43
